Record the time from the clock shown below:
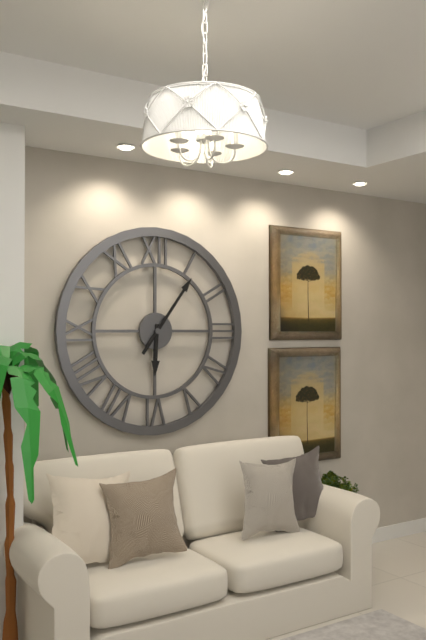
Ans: 6:06
